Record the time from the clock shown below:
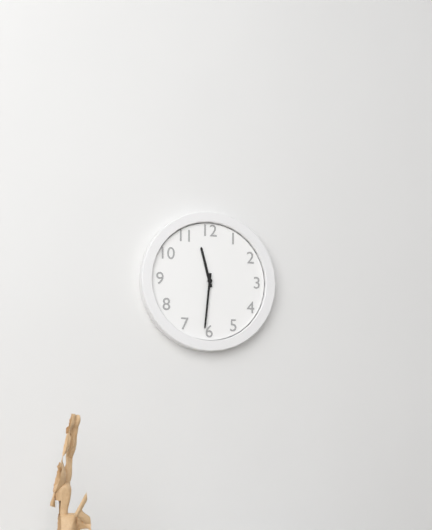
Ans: 11:31
